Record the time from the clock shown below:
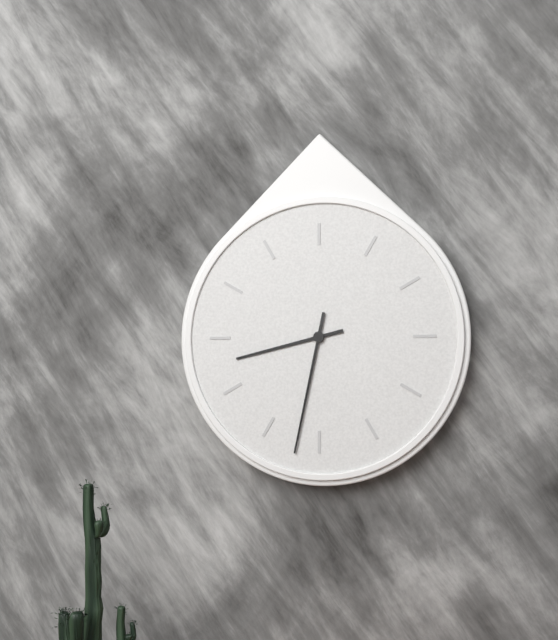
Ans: 8:32
